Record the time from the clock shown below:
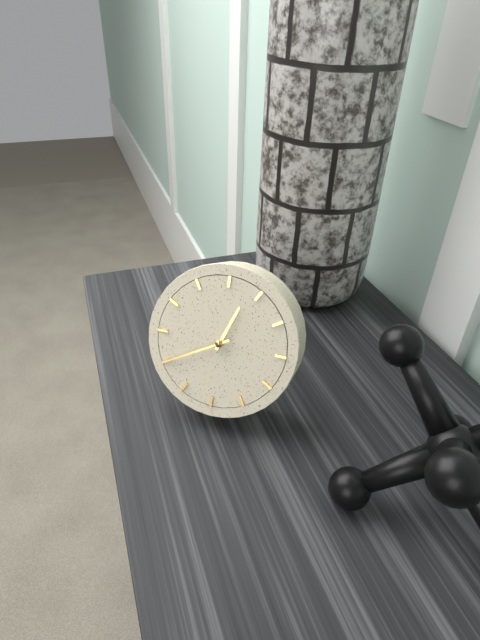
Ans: 12:40
